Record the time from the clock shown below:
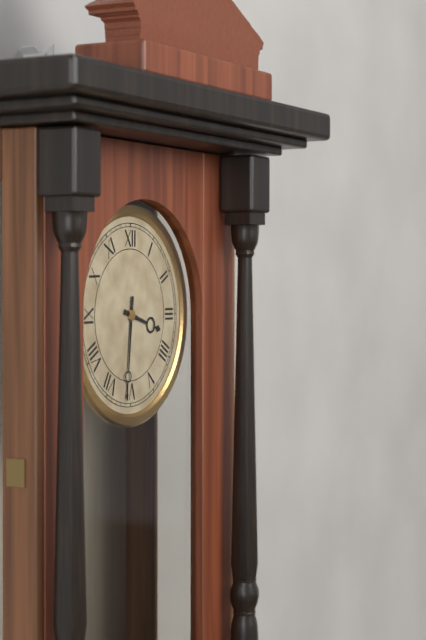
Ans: 3:31
